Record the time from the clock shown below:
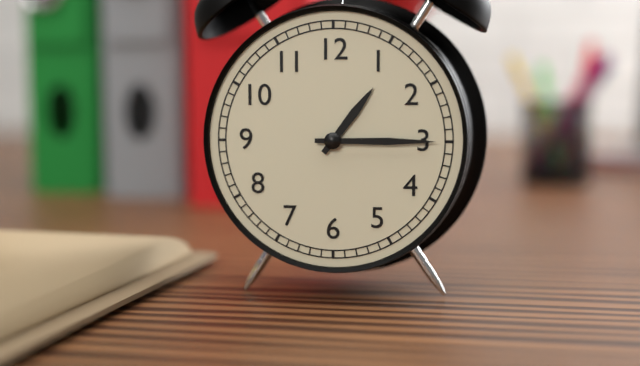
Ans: 1:15
